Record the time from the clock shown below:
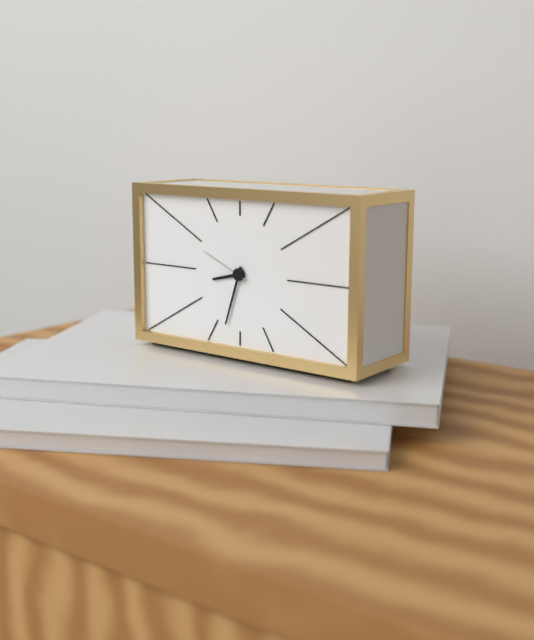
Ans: 8:33:49
